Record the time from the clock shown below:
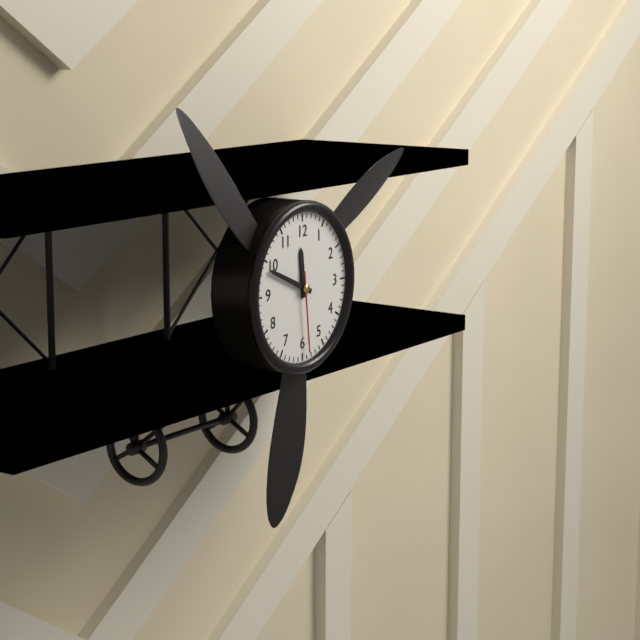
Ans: 11:49:29
